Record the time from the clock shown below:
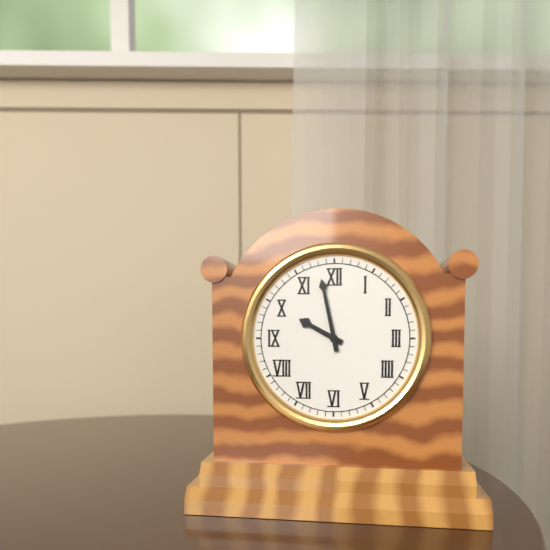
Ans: 9:58
